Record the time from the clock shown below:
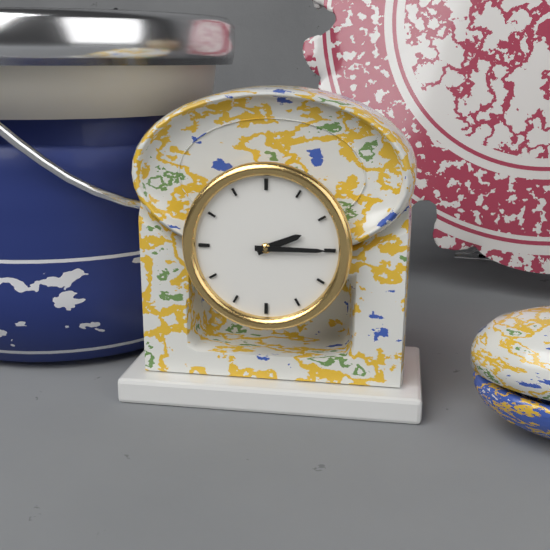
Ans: 2:15
